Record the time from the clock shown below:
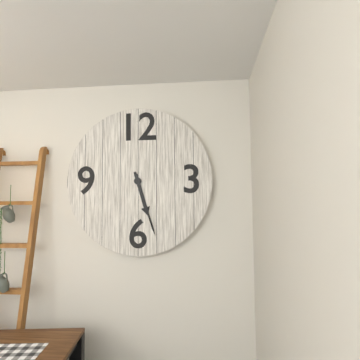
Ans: 5:27
